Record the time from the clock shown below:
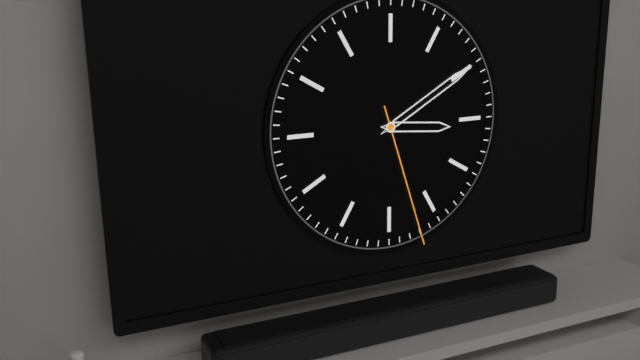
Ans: 3:10:27
